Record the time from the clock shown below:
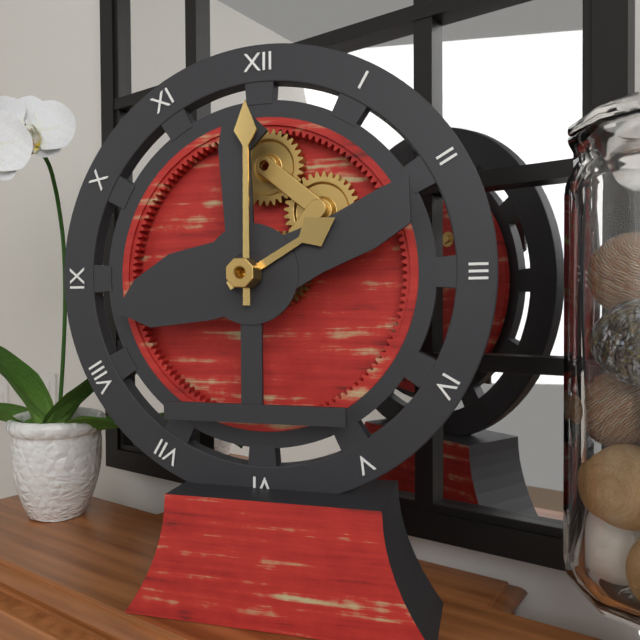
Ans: 2:00
